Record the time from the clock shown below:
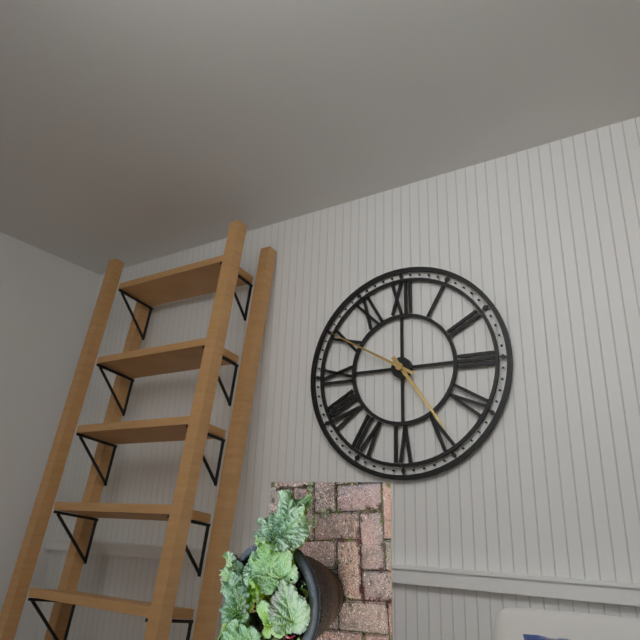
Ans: 4:50
